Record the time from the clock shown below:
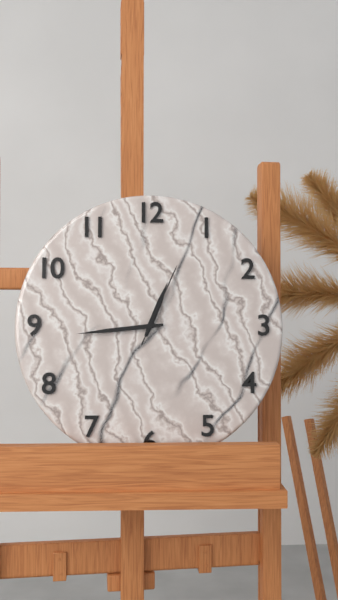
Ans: 12:44:04
